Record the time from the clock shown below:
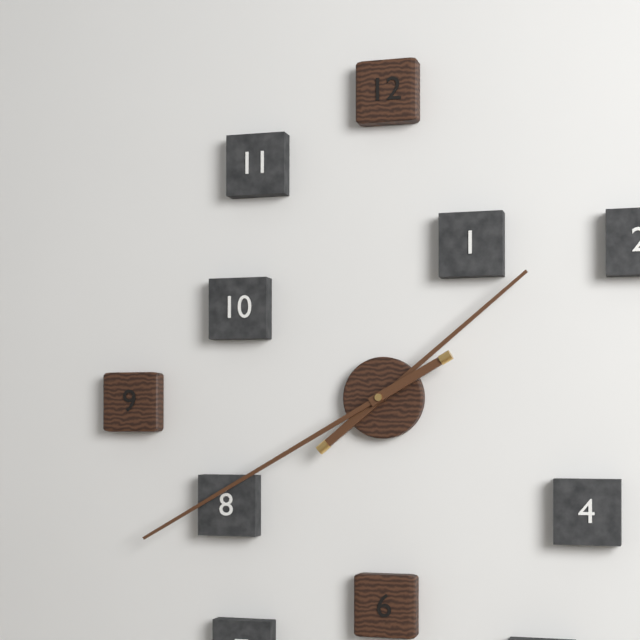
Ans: 1:40
